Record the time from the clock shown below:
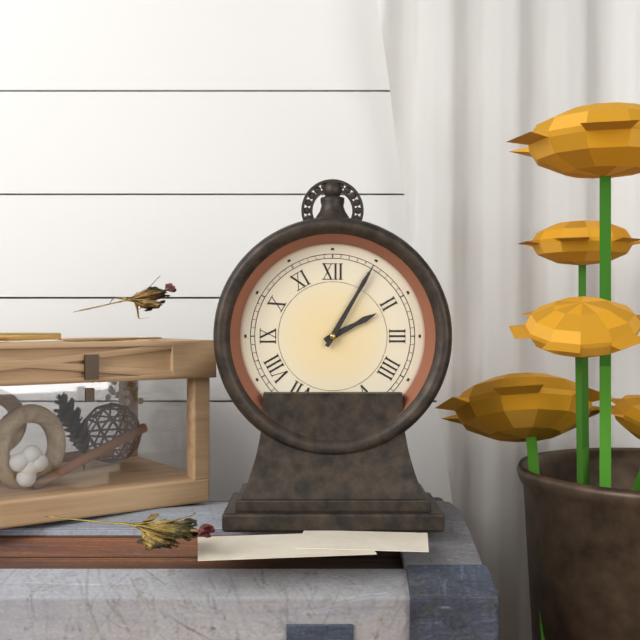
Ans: 2:05
